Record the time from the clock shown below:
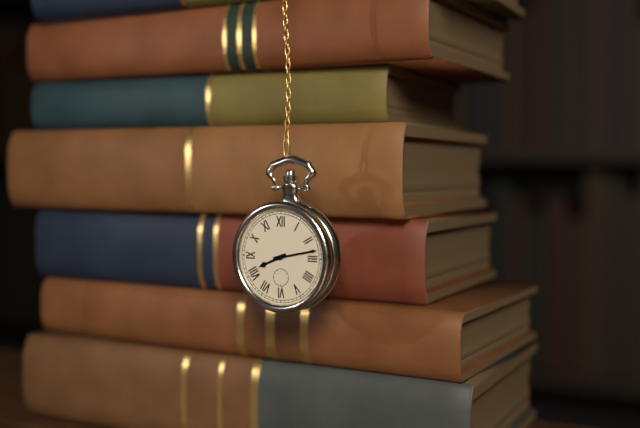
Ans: 8:13
